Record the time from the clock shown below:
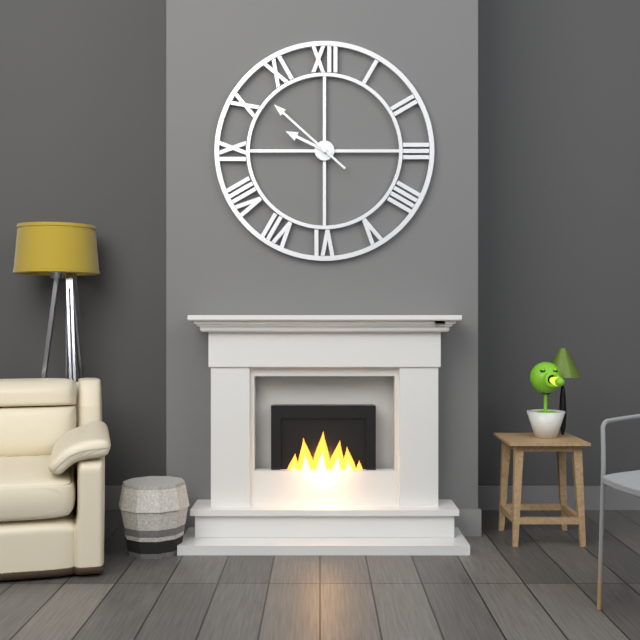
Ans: 9:52
